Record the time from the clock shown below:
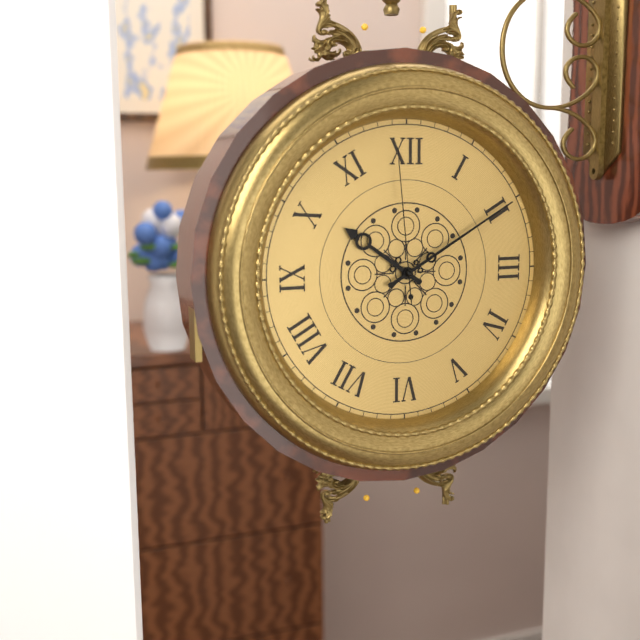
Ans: 10:10:59
